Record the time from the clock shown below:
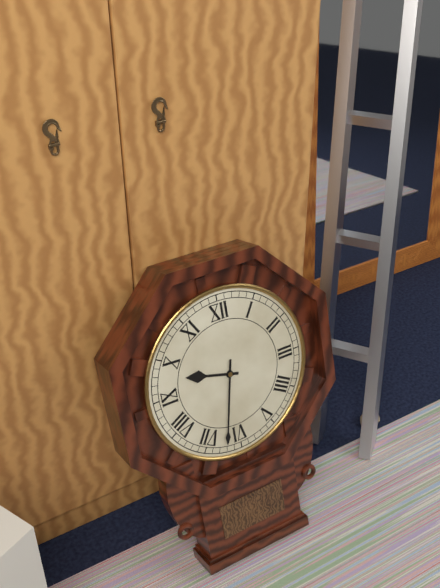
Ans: 9:32
